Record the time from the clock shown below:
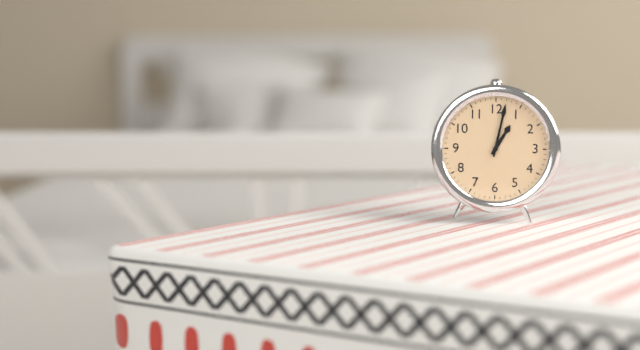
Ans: 1:02
